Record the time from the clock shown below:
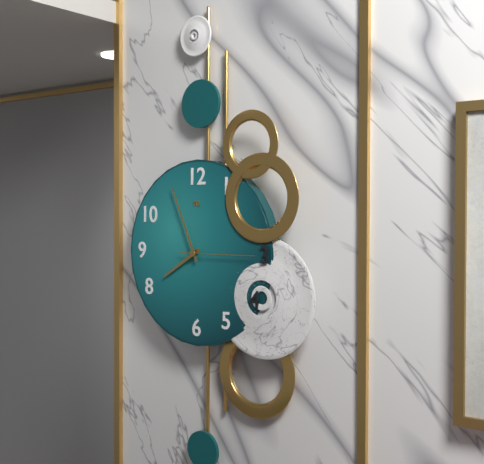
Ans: 7:56:15
